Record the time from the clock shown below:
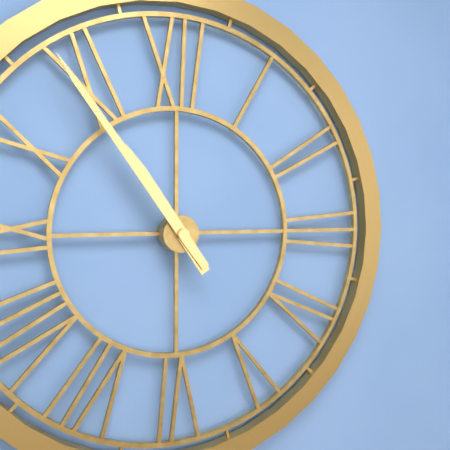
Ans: 10:54
